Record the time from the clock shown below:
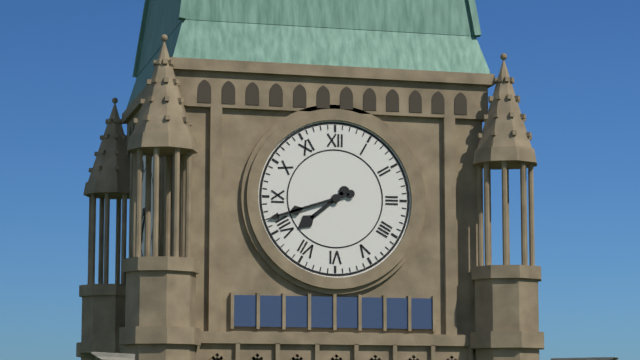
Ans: 7:42
